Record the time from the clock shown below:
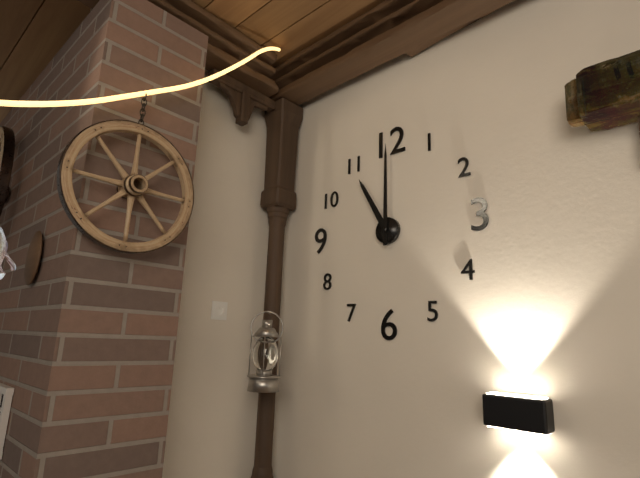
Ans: 11:00
